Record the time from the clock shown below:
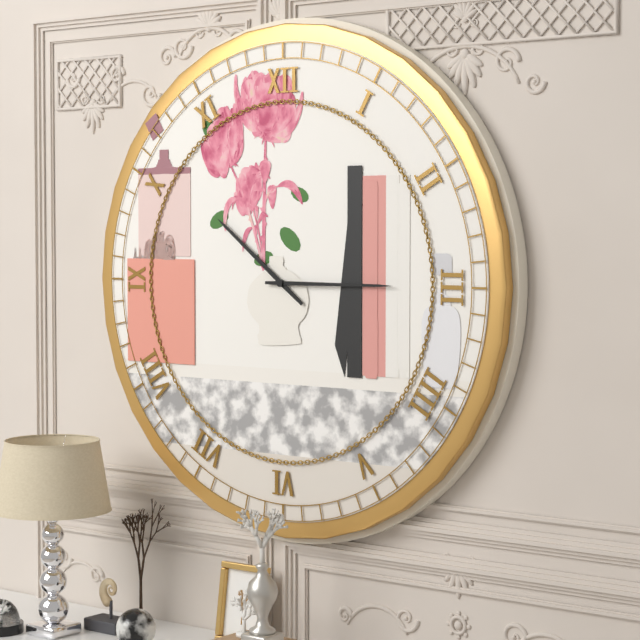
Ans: 10:15
